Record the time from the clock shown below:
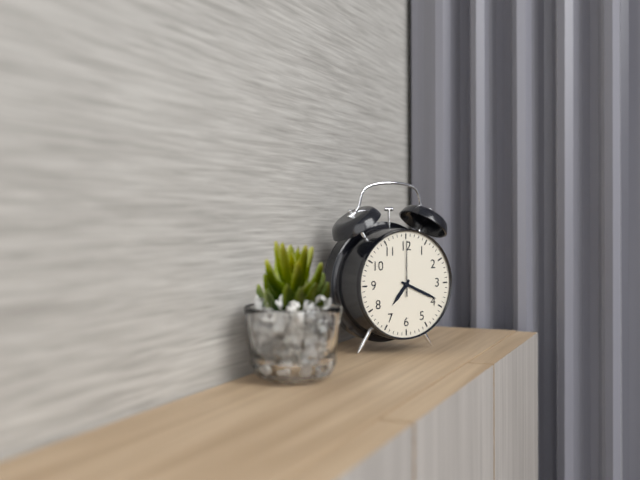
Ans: 7:19:00
